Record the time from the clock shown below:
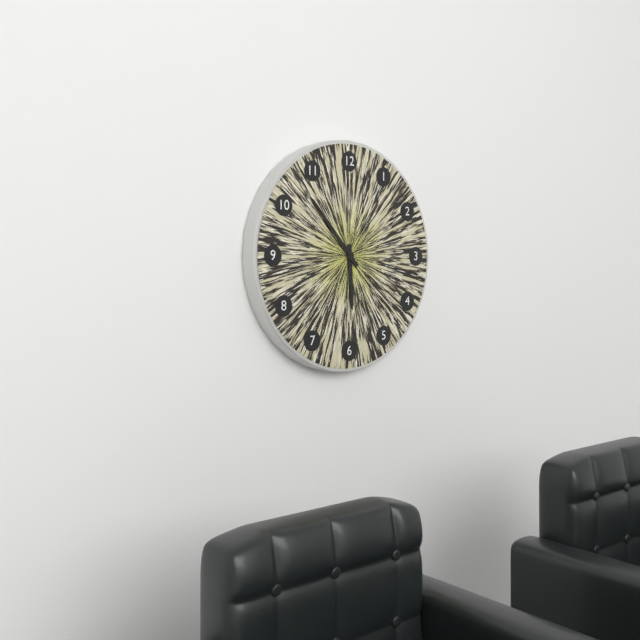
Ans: 5:53
